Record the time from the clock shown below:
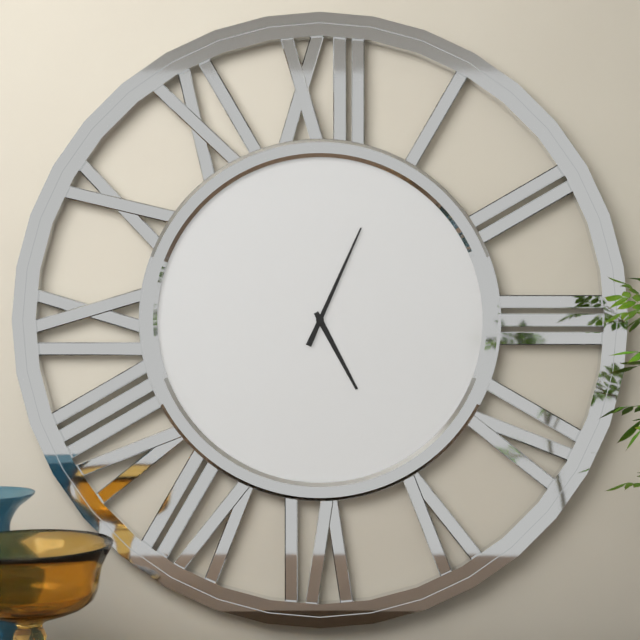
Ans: 5:04
